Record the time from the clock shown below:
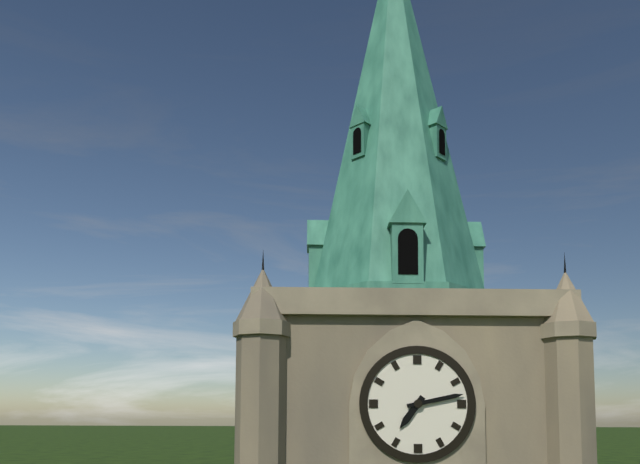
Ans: 7:13
